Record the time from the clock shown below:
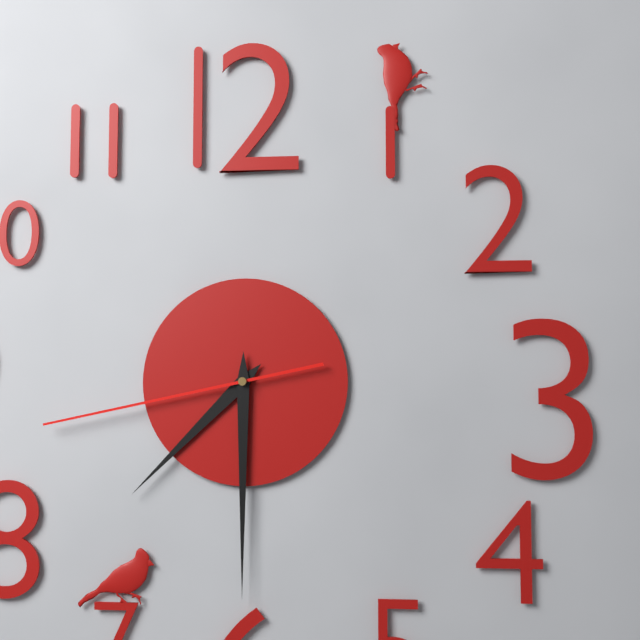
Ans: 7:30:43
